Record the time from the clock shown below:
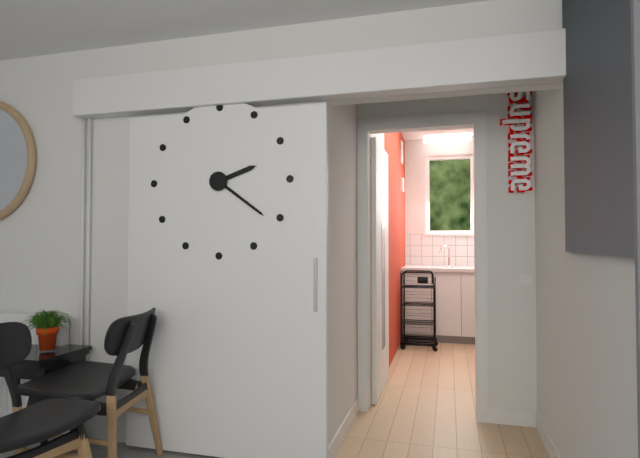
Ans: 2:21
